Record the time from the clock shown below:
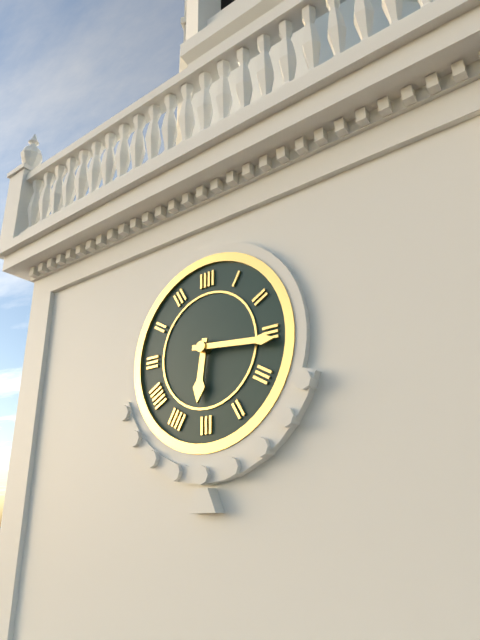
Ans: 6:16
